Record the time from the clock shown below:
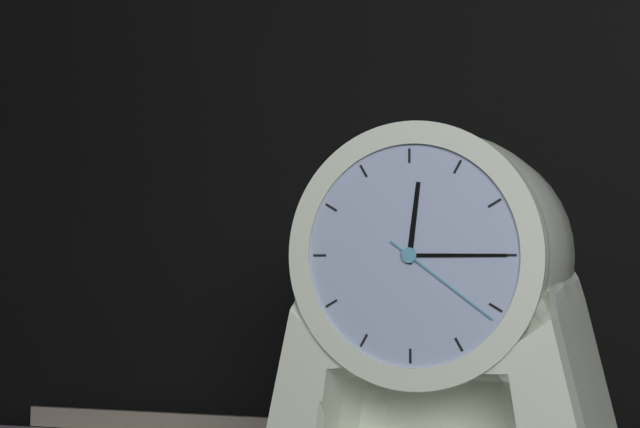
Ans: 12:15:21
